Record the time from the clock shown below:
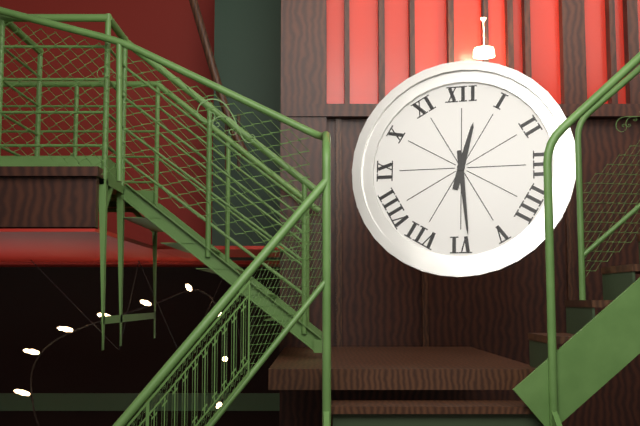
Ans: 12:29
